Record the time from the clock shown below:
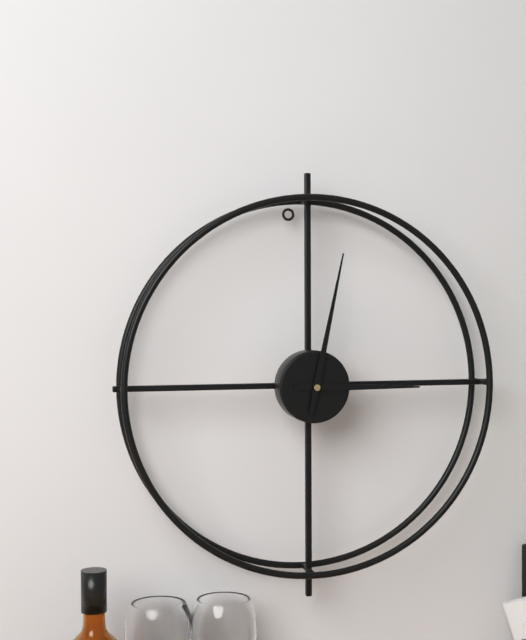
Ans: 3:02
